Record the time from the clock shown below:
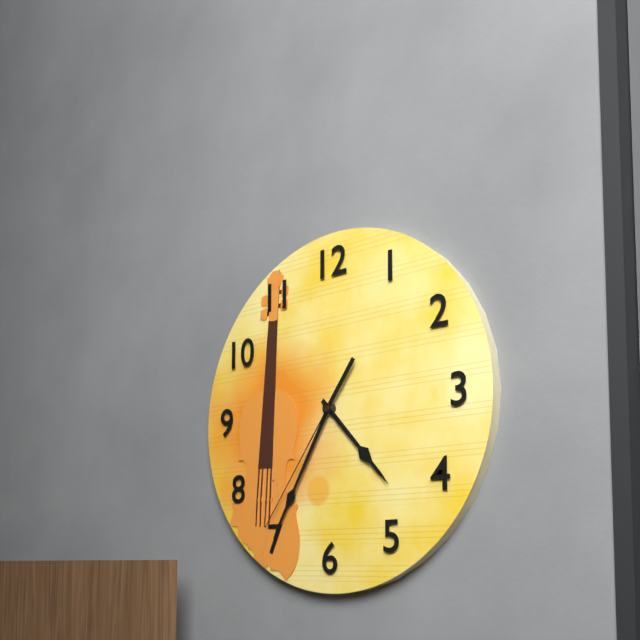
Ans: 4:35:36
